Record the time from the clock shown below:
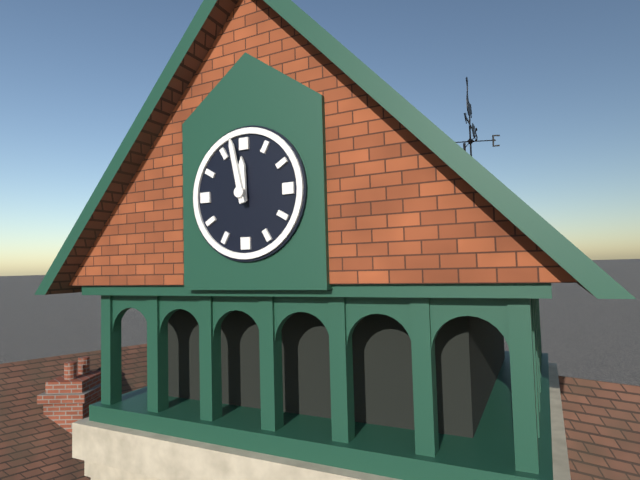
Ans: 11:58
